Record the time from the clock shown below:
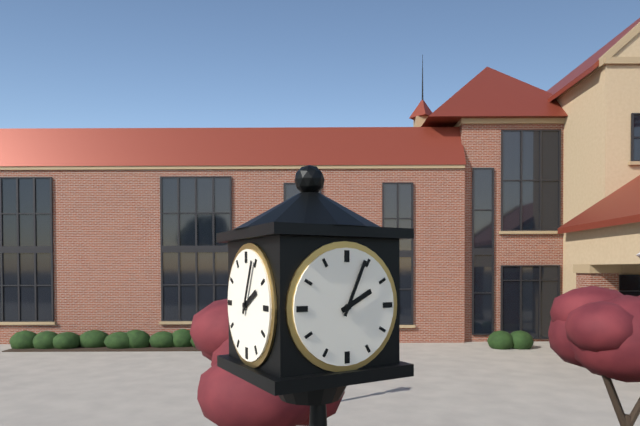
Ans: 2:04
